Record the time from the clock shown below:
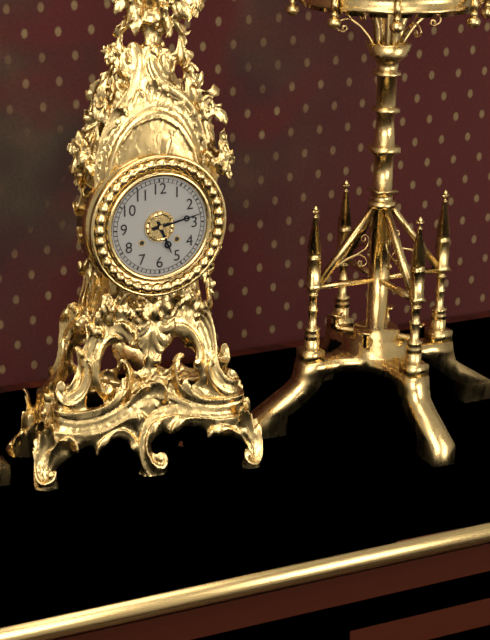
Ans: 5:13
